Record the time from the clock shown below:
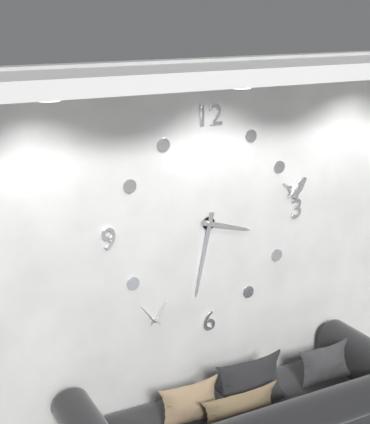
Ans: 3:32
